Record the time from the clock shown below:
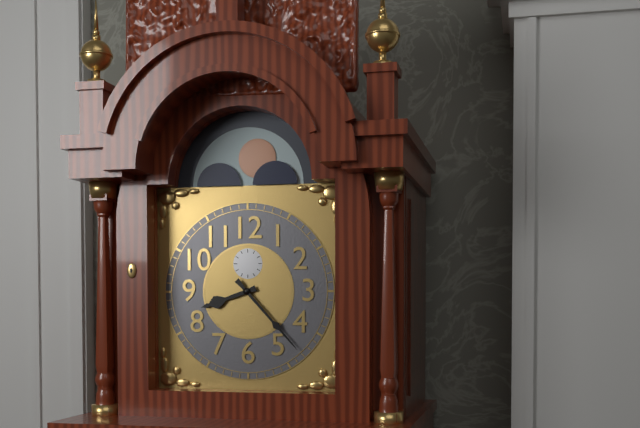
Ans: 8:23
